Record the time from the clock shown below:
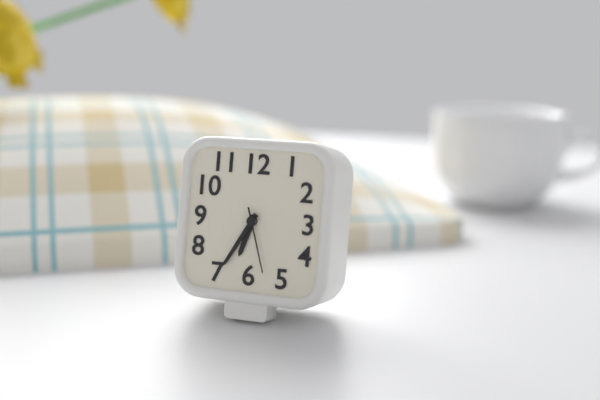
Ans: 6:35:27
